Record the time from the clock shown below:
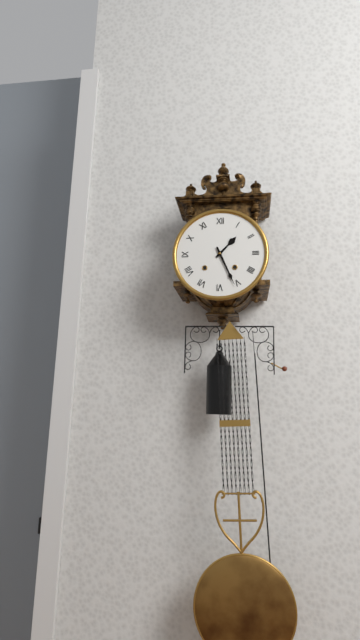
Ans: 1:26
